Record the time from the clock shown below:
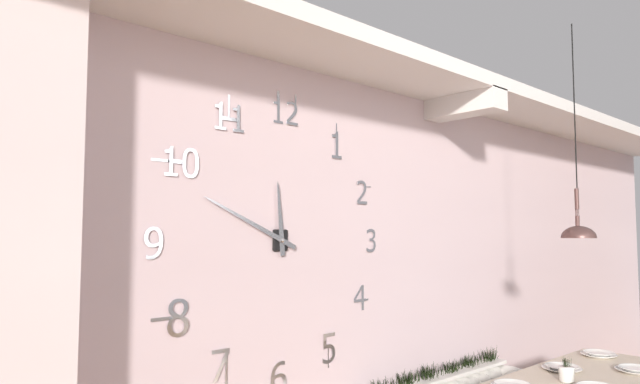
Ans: 11:49
